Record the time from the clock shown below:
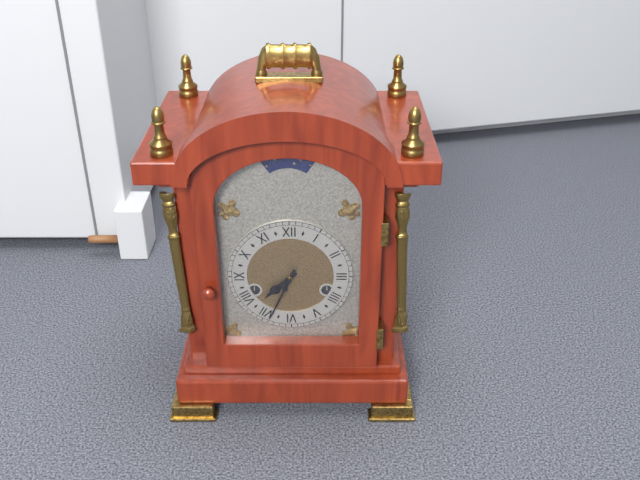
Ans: 7:34
